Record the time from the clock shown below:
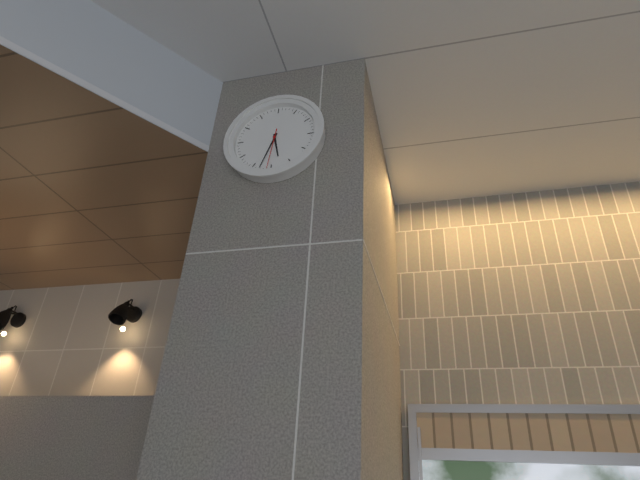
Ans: 5:33
